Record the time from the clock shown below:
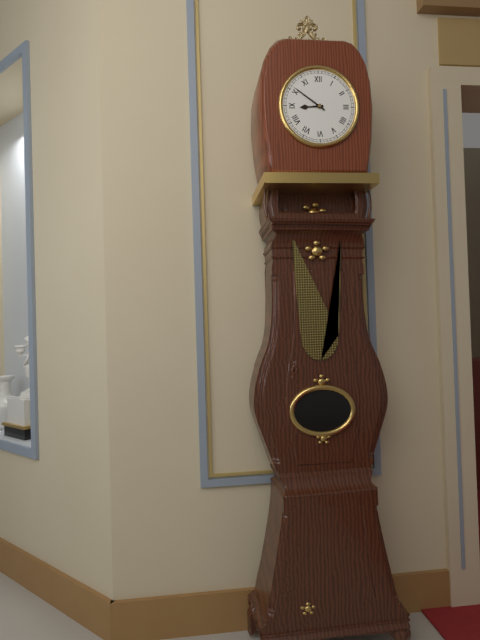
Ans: 8:51
